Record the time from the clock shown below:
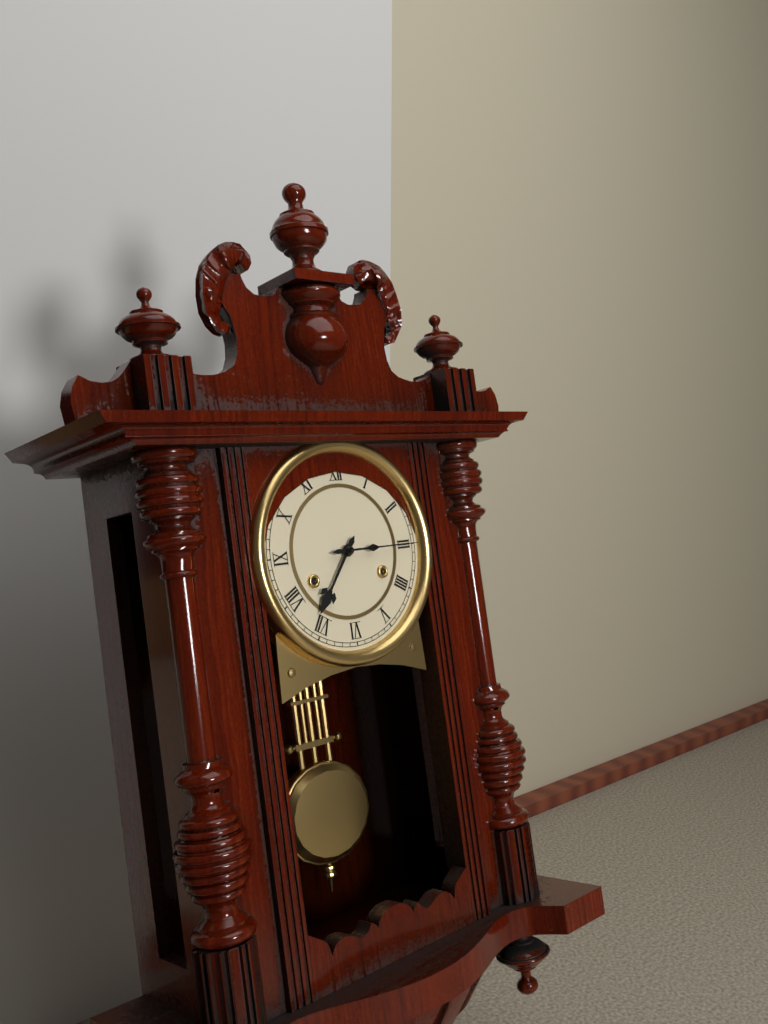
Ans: 7:15
